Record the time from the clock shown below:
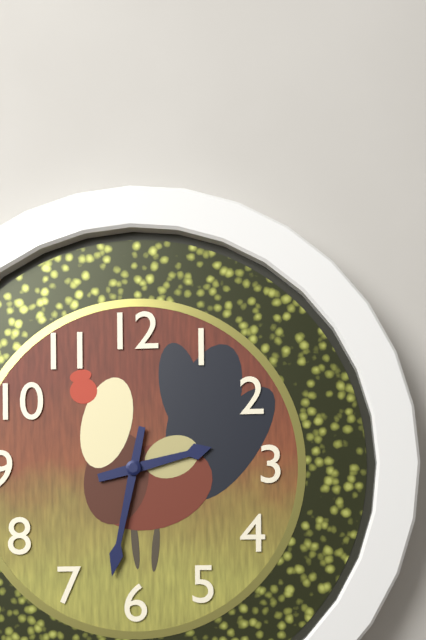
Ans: 2:32
